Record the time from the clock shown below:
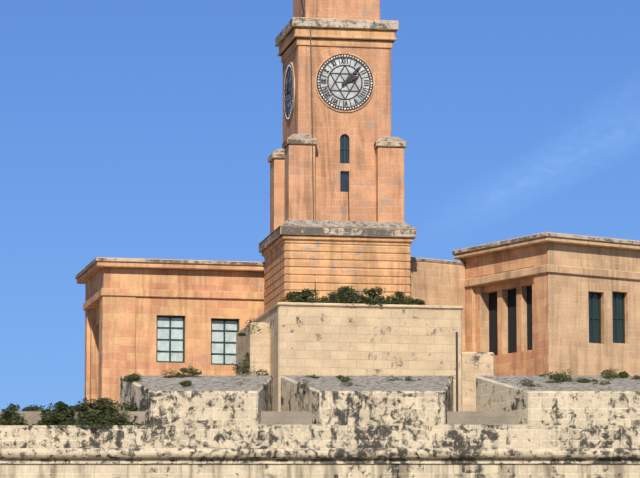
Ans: 2:07
